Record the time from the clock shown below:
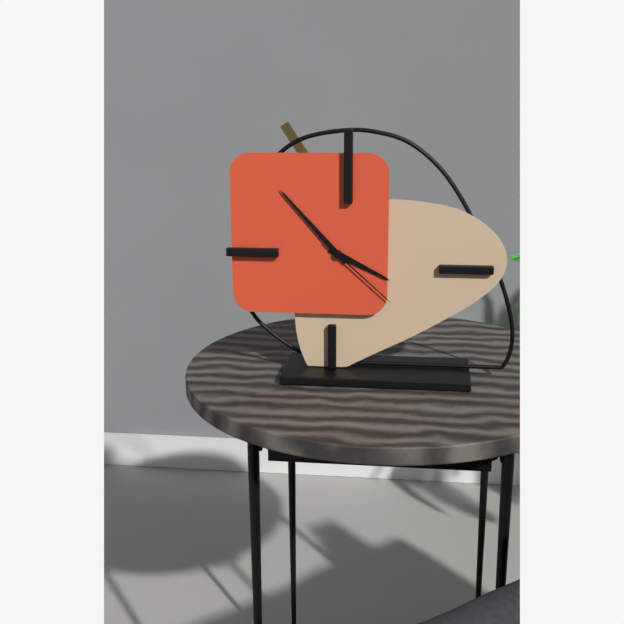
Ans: 3:53:22
